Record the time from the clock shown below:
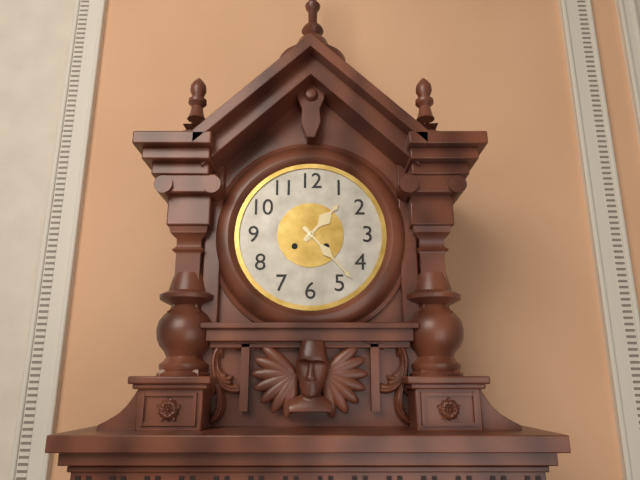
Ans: 1:23
